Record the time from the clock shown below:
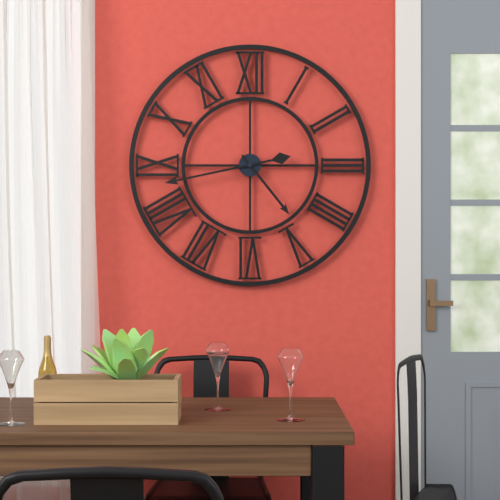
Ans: 4:43
